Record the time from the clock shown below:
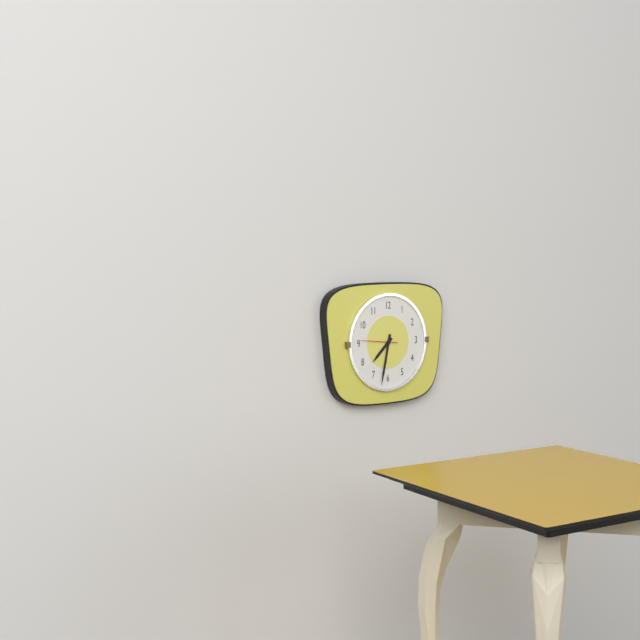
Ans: 7:32
